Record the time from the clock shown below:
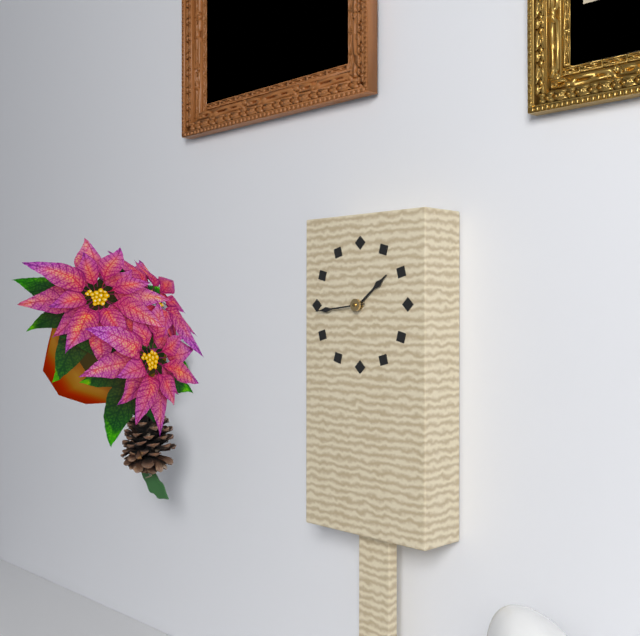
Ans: 1:44
